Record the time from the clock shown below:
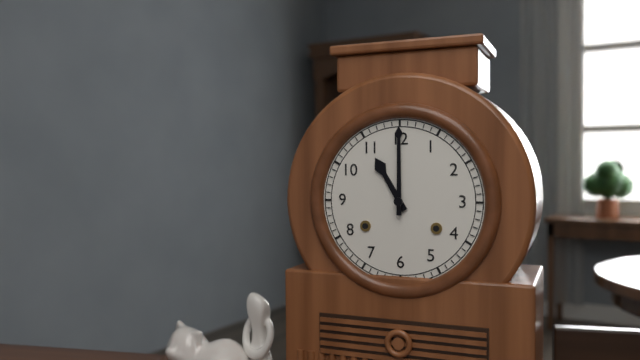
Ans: 11:00
